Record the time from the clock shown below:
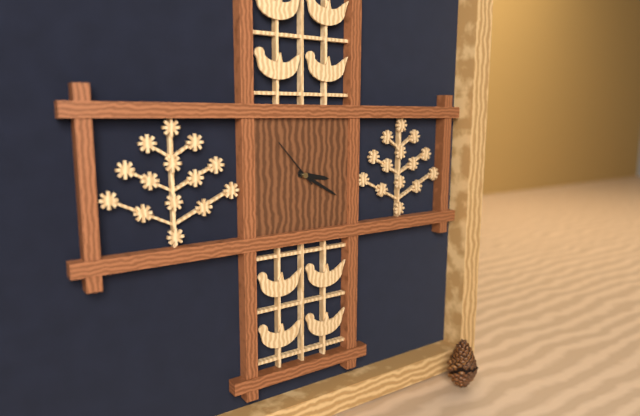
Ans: 3:20
